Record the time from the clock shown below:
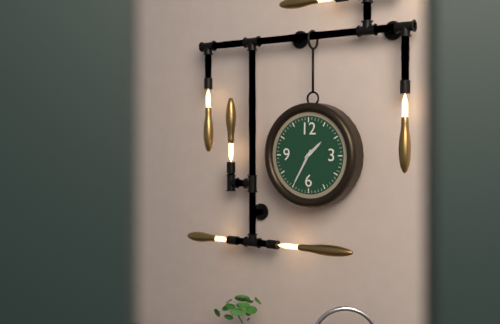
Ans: 1:35
